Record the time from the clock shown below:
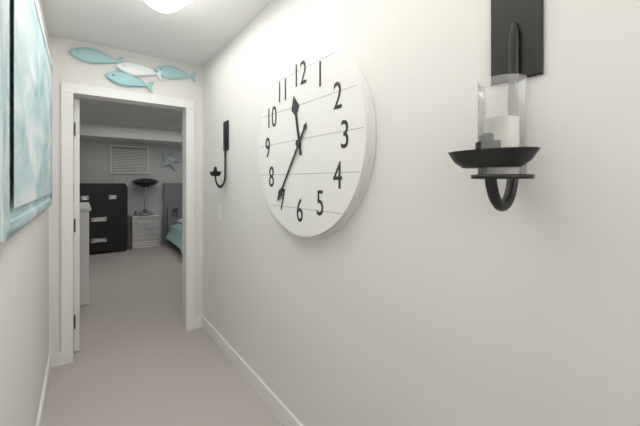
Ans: 11:36
